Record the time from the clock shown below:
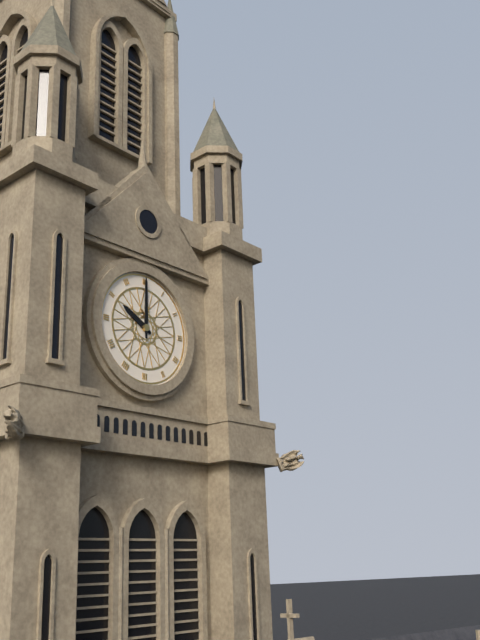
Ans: 10:00
